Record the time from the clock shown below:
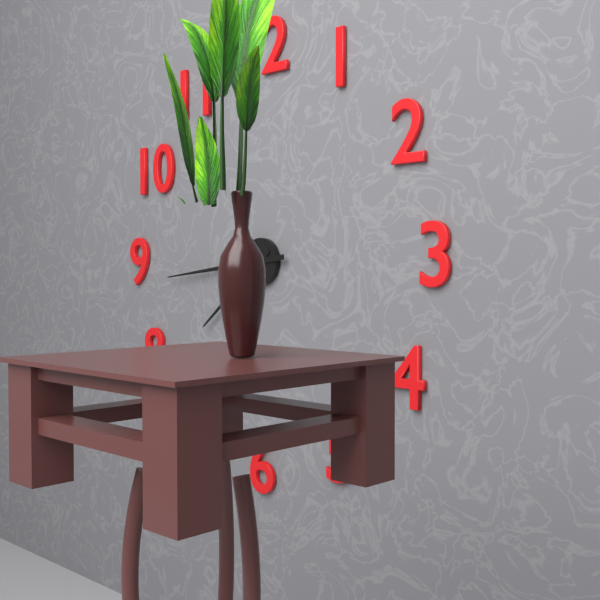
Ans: 7:44
